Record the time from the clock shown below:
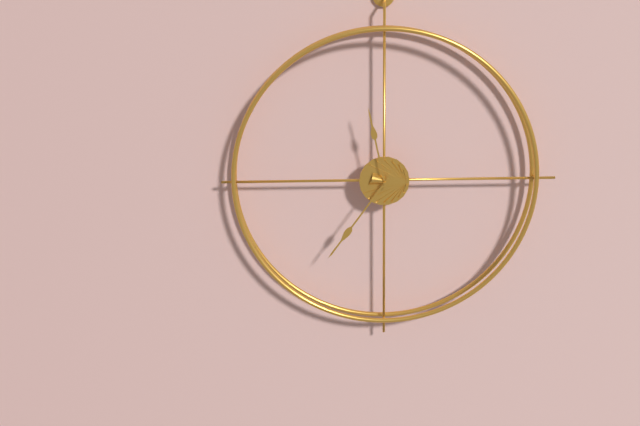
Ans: 11:36
